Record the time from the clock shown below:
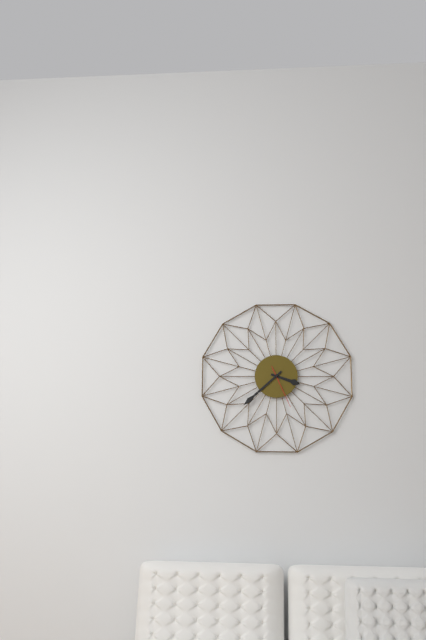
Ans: 3:38
